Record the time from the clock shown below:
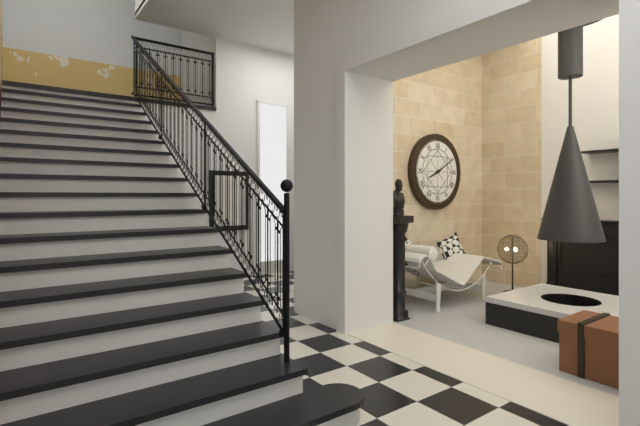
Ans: 8:10
